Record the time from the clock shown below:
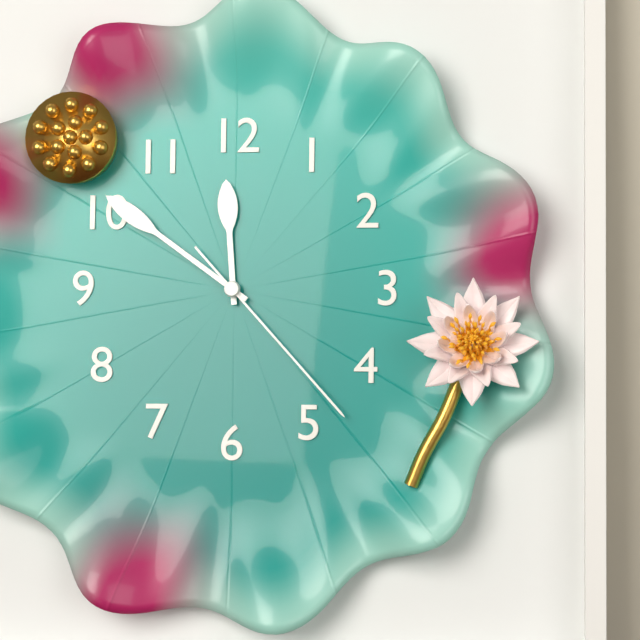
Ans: 11:51:23
